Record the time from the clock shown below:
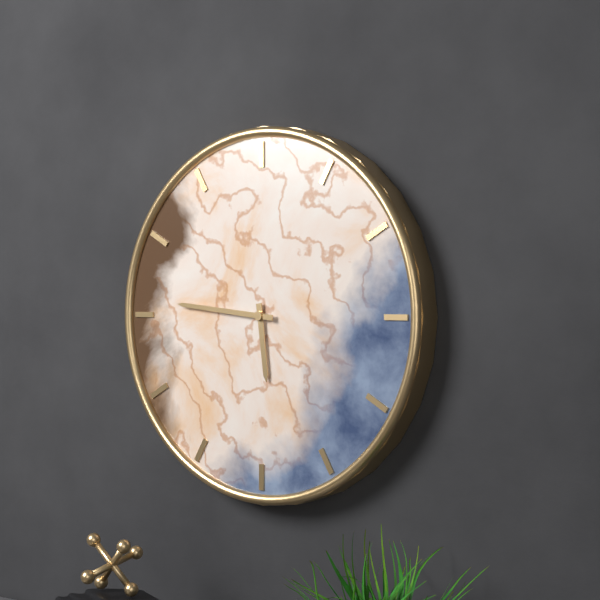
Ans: 5:46
